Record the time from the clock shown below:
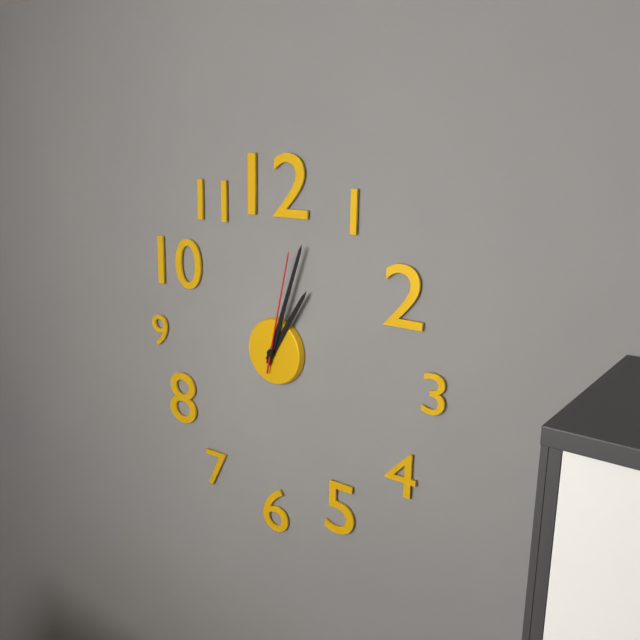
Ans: 1:03:02
